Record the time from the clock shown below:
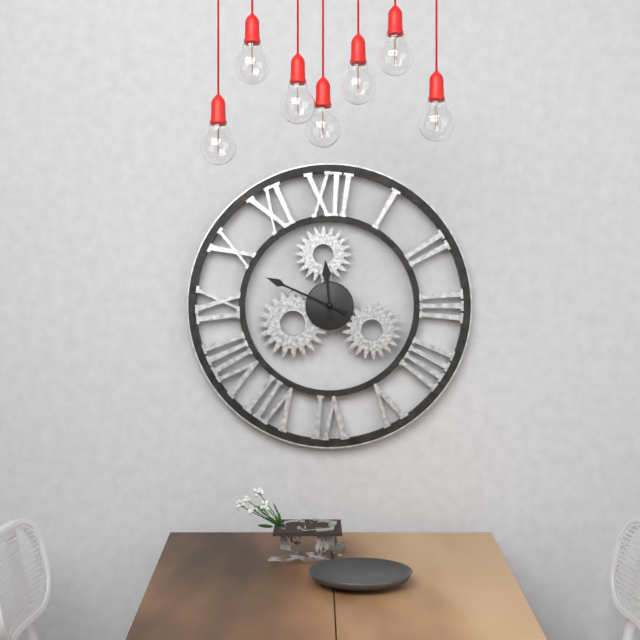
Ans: 11:49
